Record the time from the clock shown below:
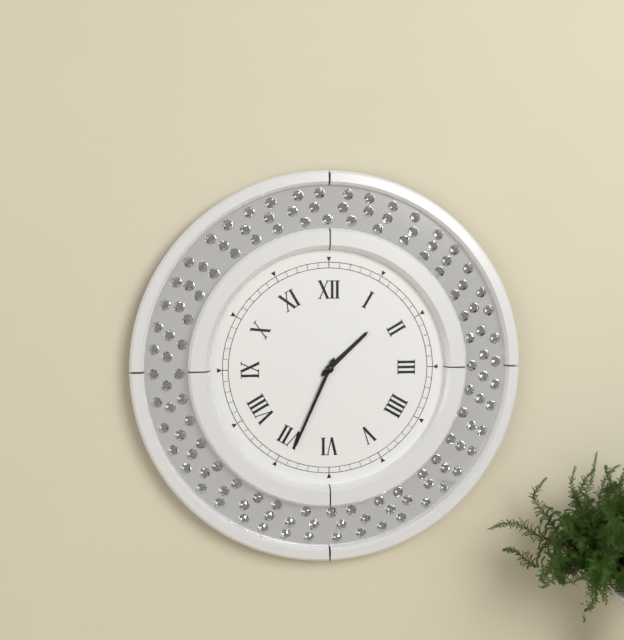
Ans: 1:34
